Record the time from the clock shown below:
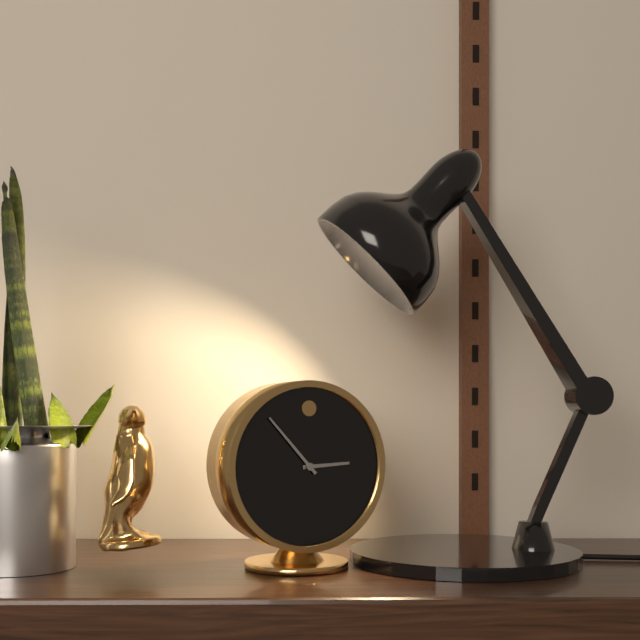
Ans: 2:53
